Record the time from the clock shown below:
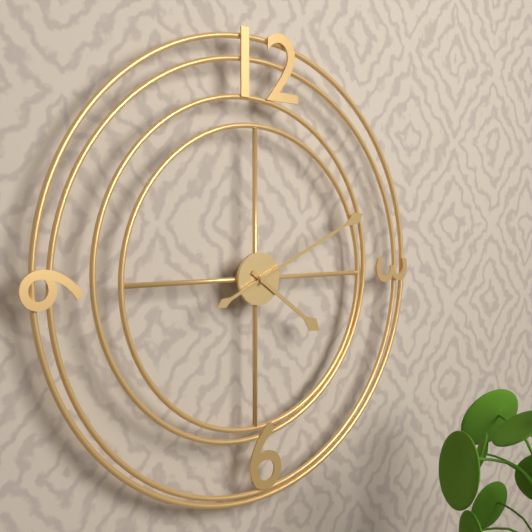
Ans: 4:11
